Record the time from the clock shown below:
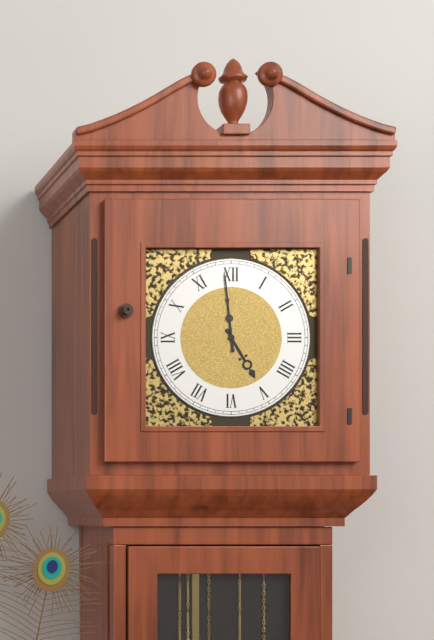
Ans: 4:59
